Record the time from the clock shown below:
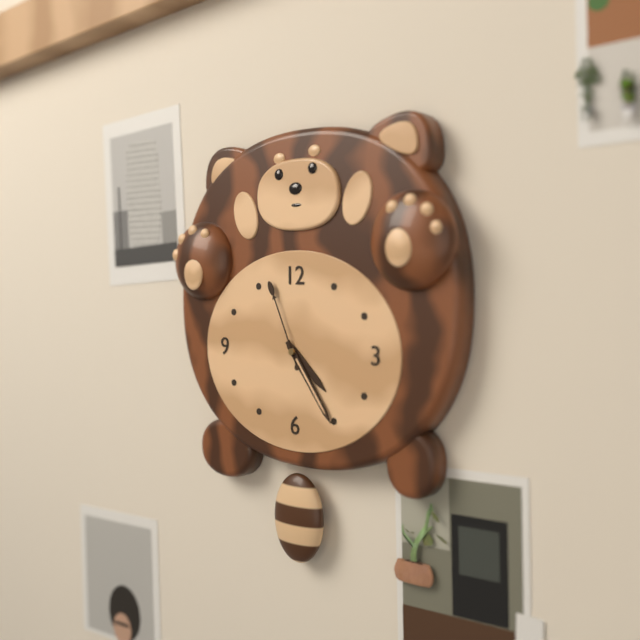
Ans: 4:24:56
